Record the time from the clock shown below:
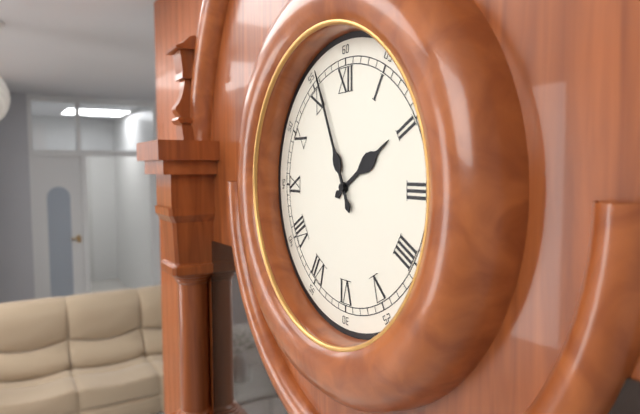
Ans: 1:56
